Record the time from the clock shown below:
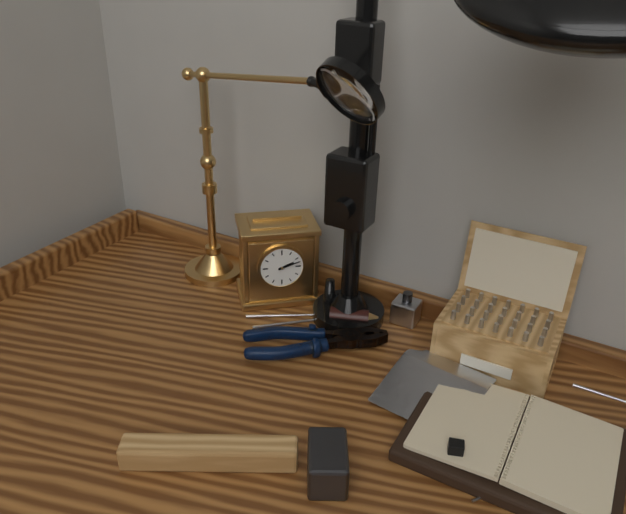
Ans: 2:12
